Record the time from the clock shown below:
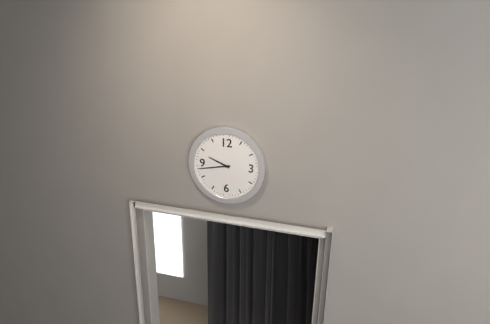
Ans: 9:43
